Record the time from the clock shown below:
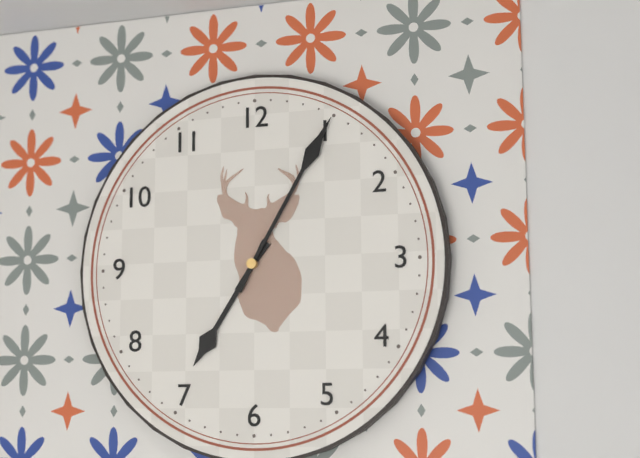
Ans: 7:05
